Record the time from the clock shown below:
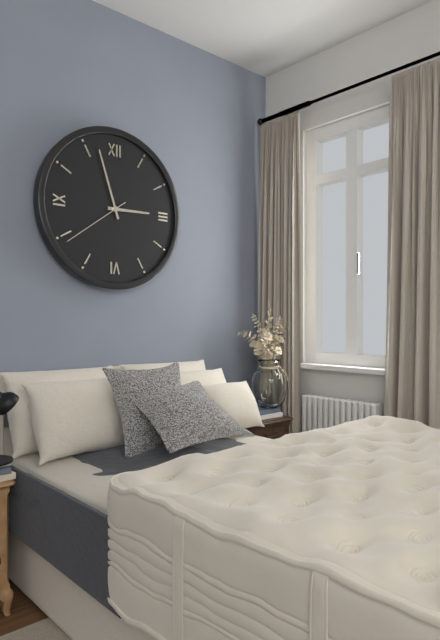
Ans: 2:57:39
